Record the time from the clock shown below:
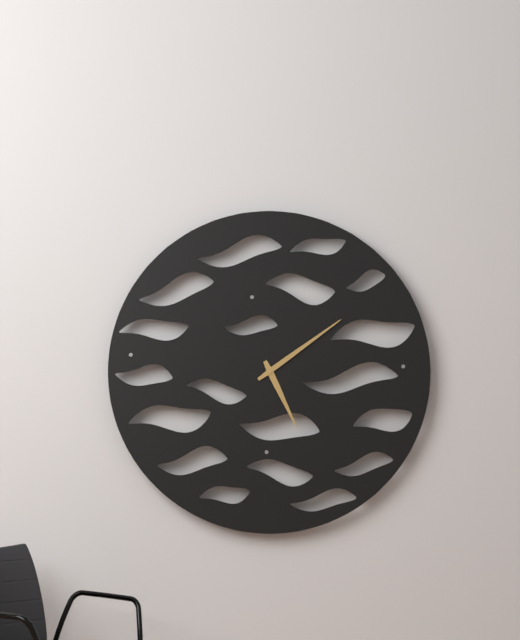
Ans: 5:09
